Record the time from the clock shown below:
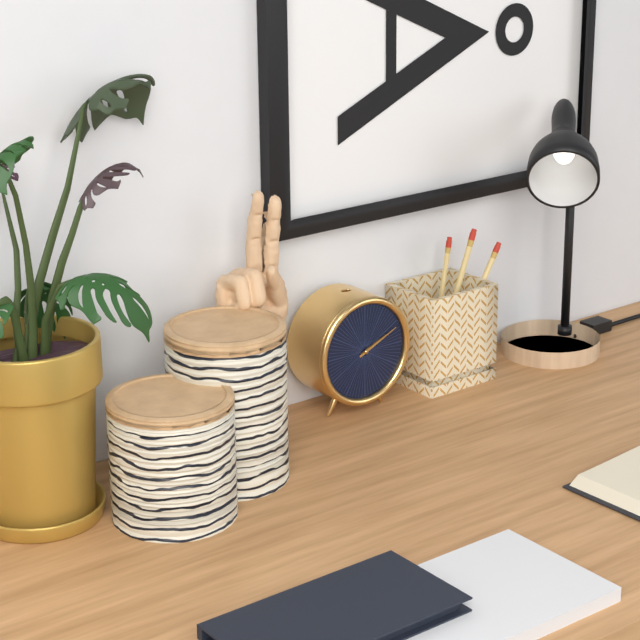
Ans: 2:11
